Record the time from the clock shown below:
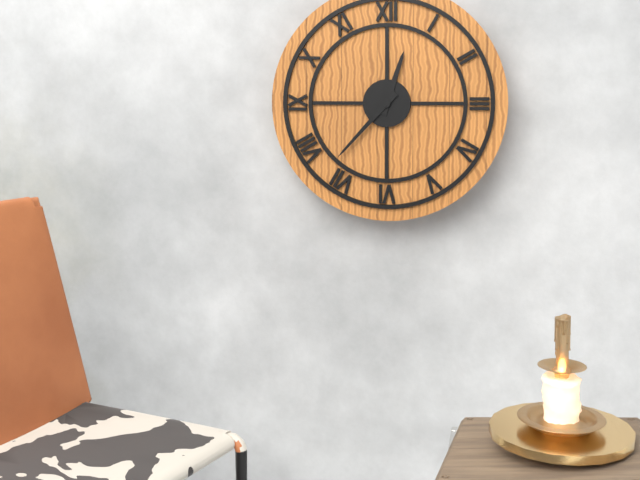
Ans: 12:37
